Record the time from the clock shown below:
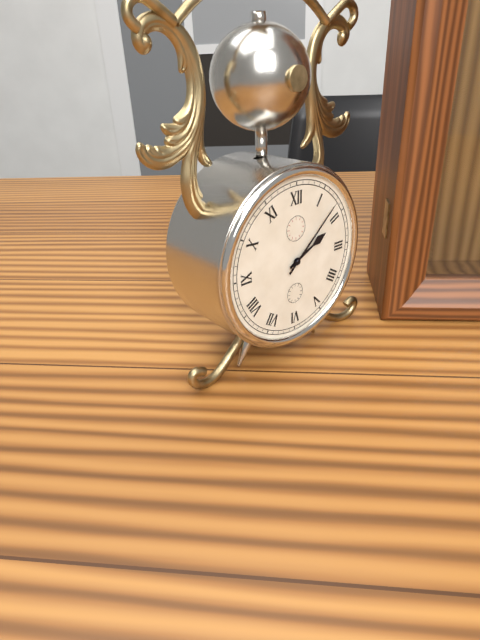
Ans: 2:08
